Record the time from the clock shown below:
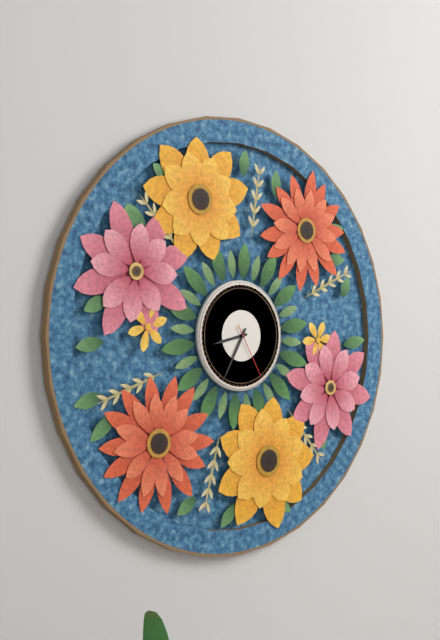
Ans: 8:35:25
